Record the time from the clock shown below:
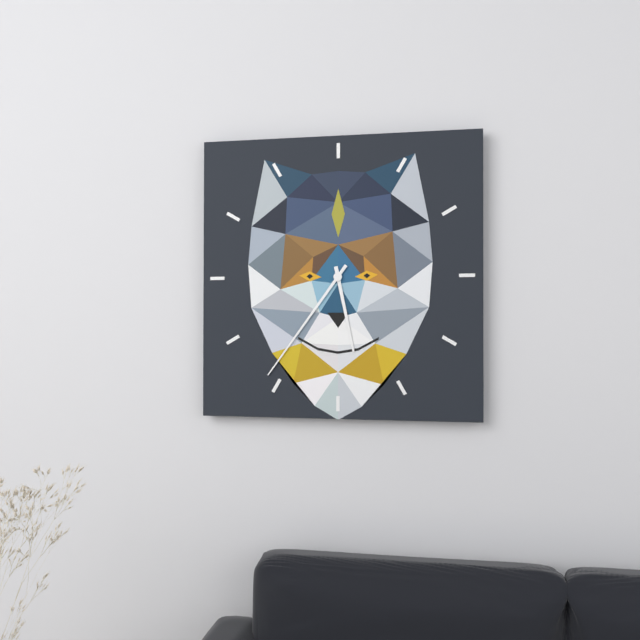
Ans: 5:36
